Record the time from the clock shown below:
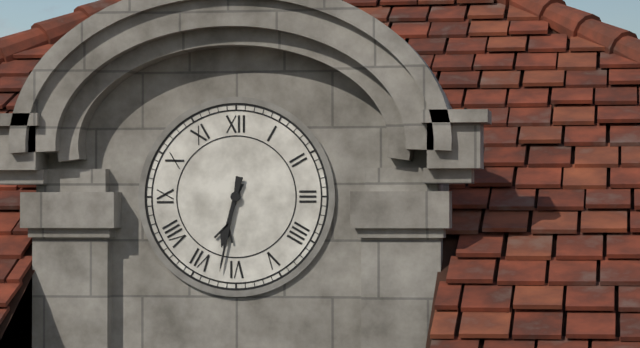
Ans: 6:32
